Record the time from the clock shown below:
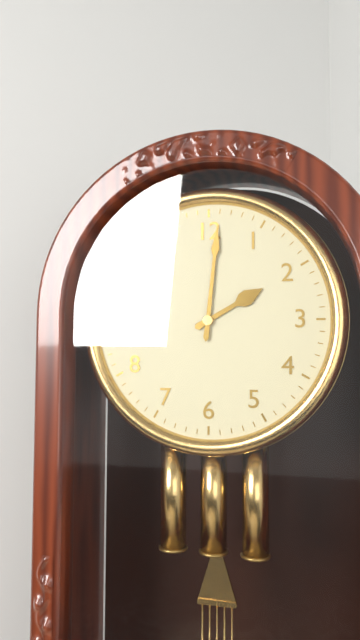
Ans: 2:01
